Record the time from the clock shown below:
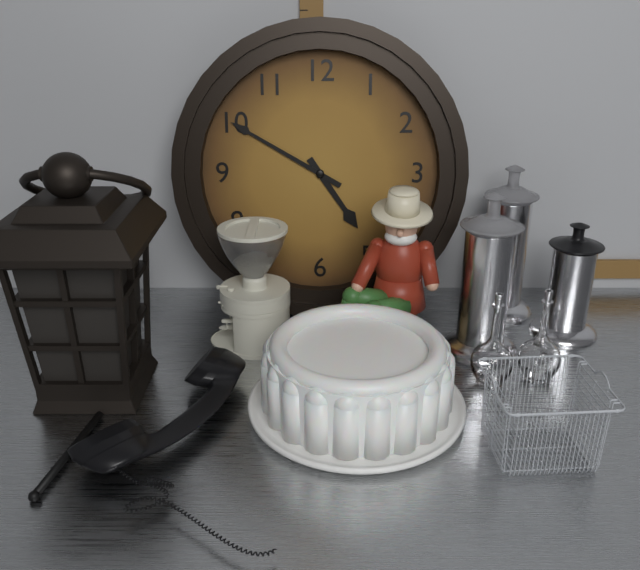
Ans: 4:50
